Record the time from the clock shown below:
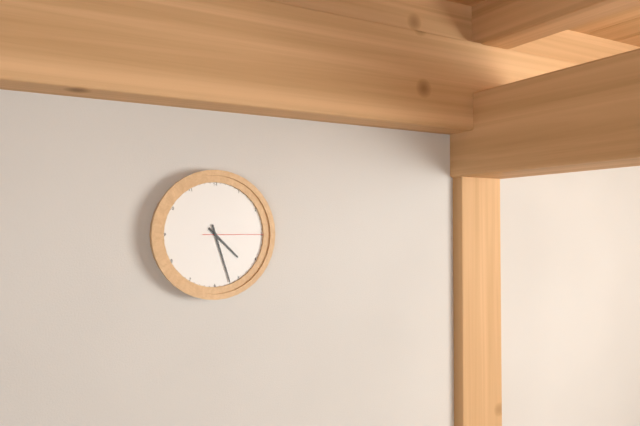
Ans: 4:27:15
